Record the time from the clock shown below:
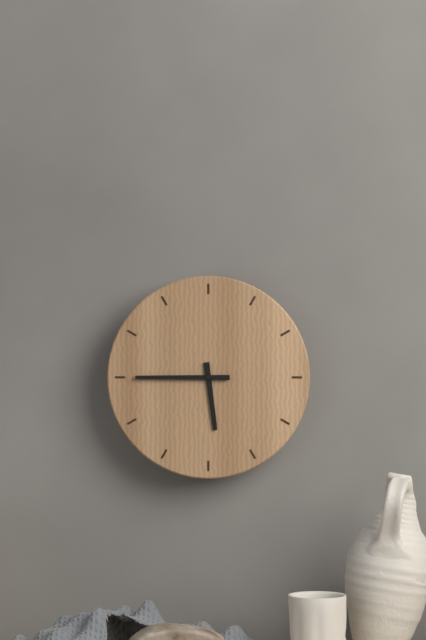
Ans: 5:45
